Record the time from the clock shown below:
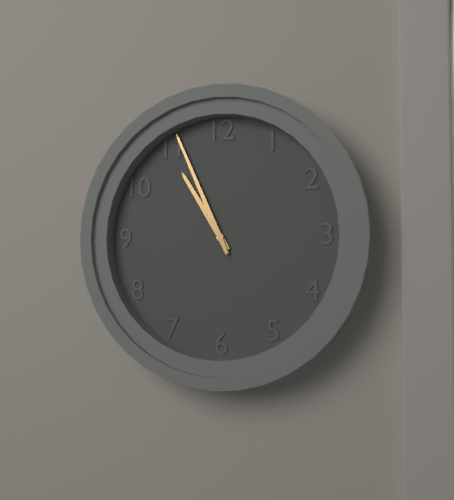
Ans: 10:56
